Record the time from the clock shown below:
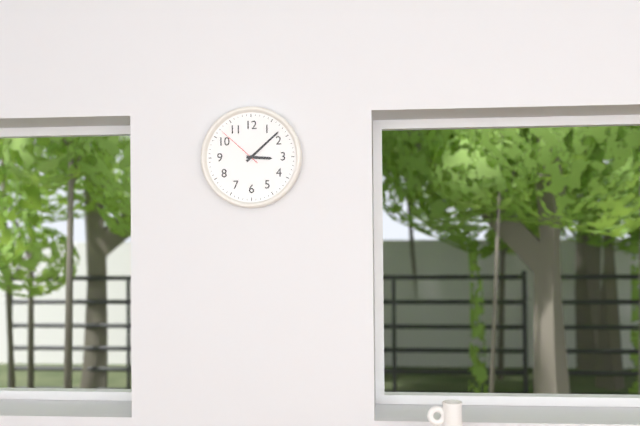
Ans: 3:08
